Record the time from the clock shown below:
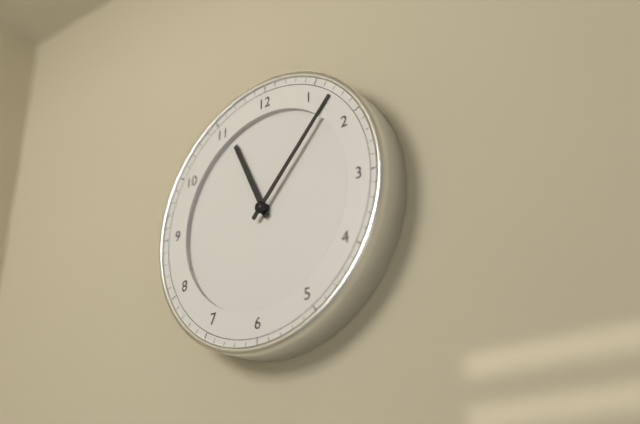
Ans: 11:07
